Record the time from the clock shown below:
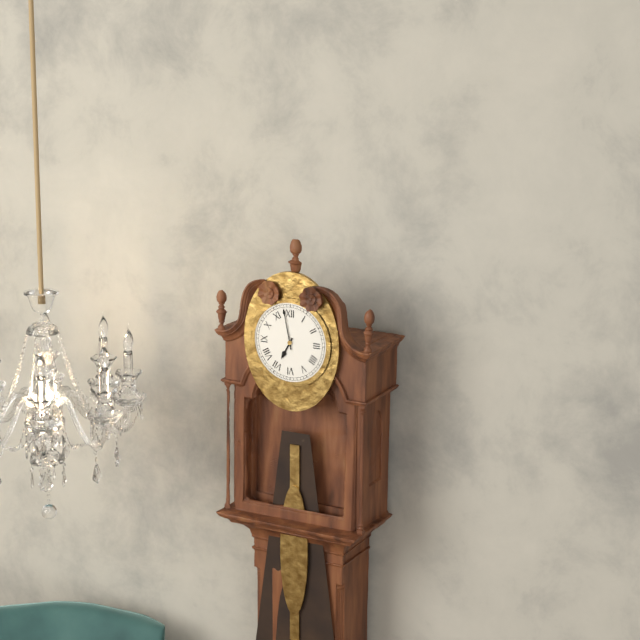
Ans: 6:58
